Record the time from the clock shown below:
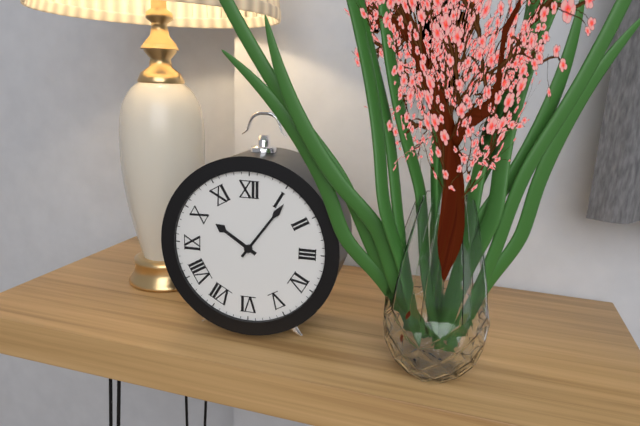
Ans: 10:06
